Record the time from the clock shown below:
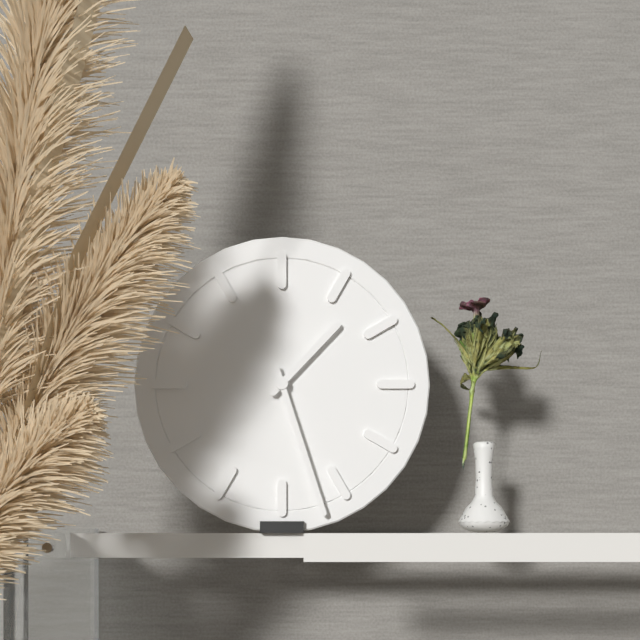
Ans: 1:27
